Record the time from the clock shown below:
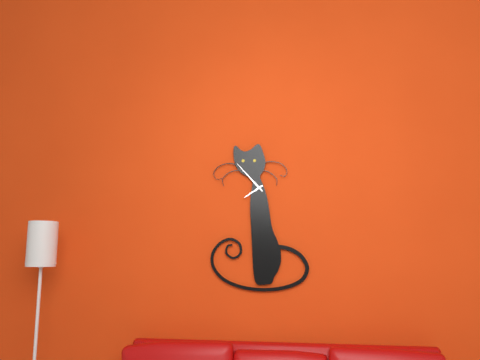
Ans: 7:53
